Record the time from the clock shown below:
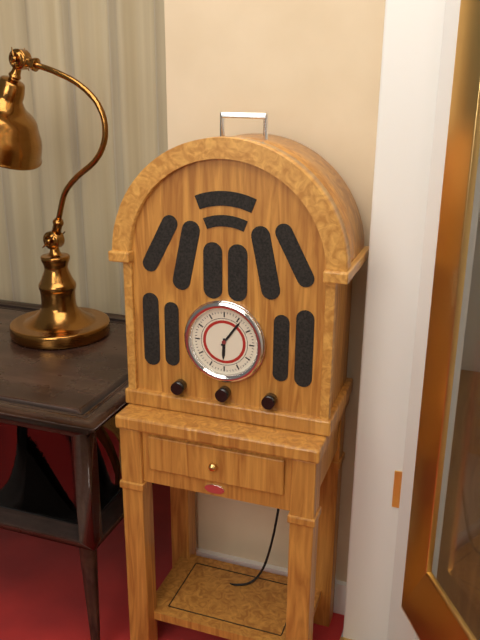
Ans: 6:06
